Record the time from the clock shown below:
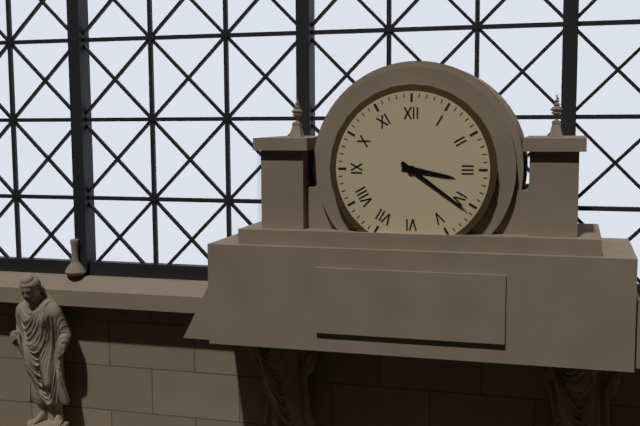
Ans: 3:21
